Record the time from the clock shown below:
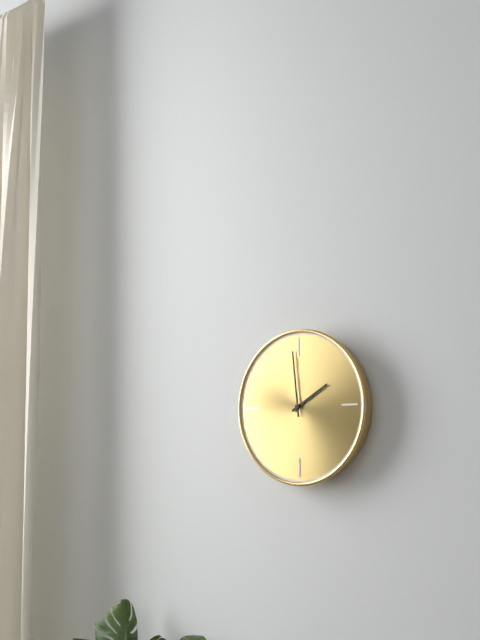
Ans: 1:59
